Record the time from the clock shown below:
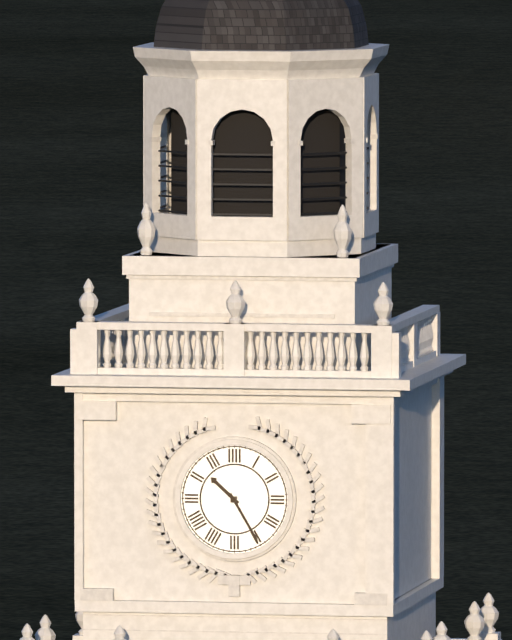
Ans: 10:25
